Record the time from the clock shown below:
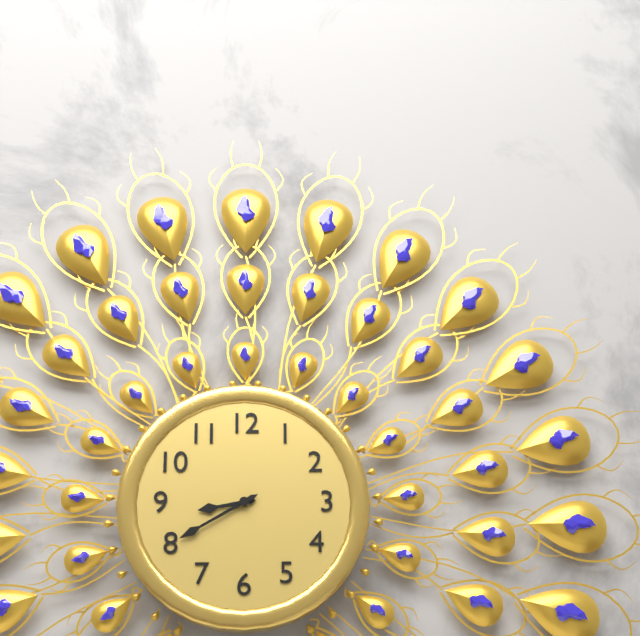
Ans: 8:40
